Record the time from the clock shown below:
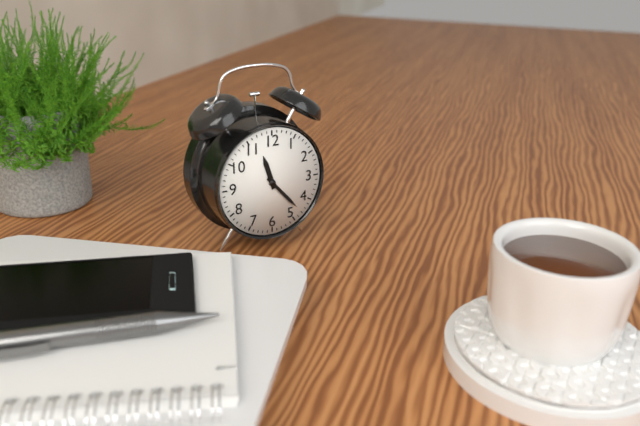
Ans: 11:23
